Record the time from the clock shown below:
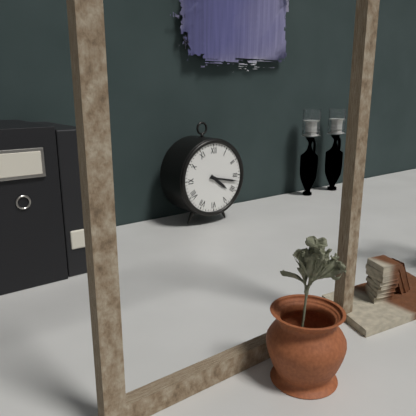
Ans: 4:17
